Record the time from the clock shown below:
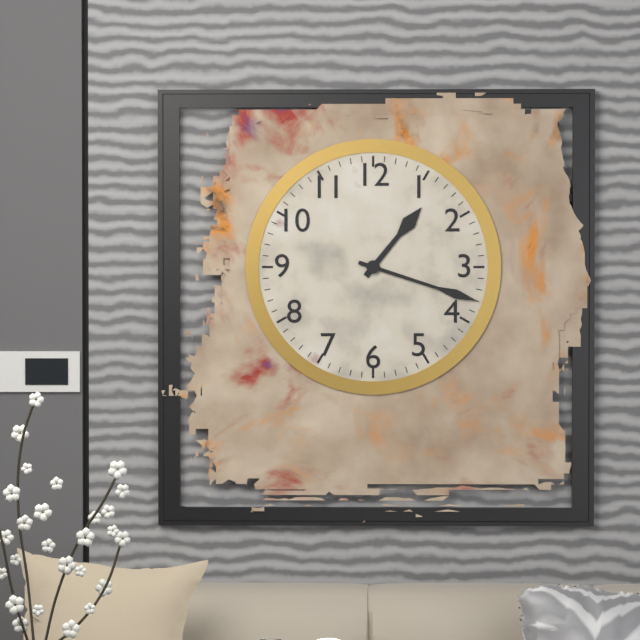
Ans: 1:18
